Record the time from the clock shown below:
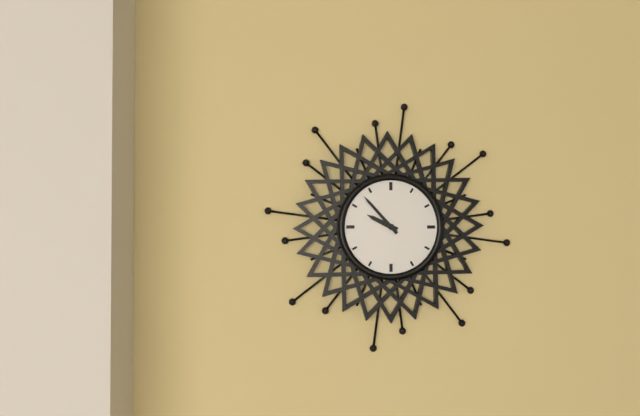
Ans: 9:53
